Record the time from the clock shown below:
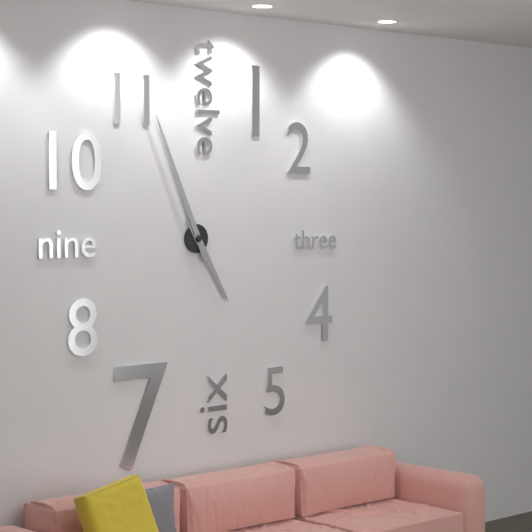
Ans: 4:56
